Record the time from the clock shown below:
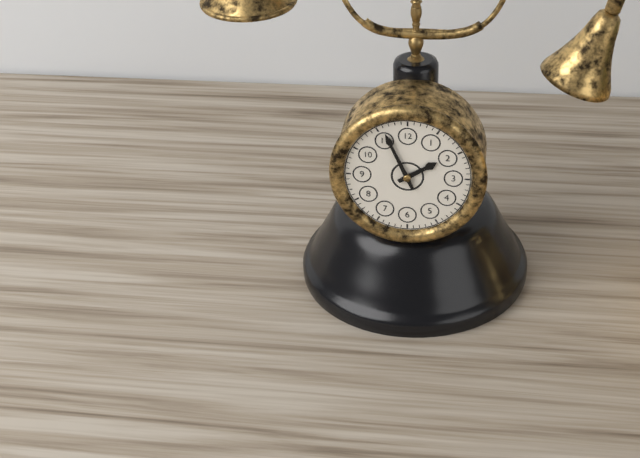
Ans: 1:56
